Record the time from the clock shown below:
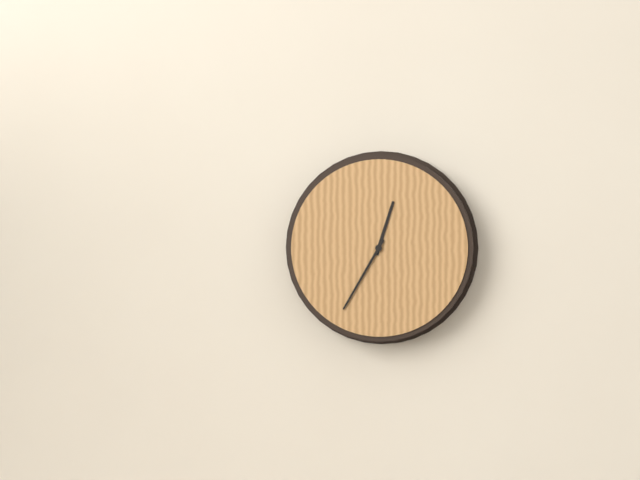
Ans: 12:35
